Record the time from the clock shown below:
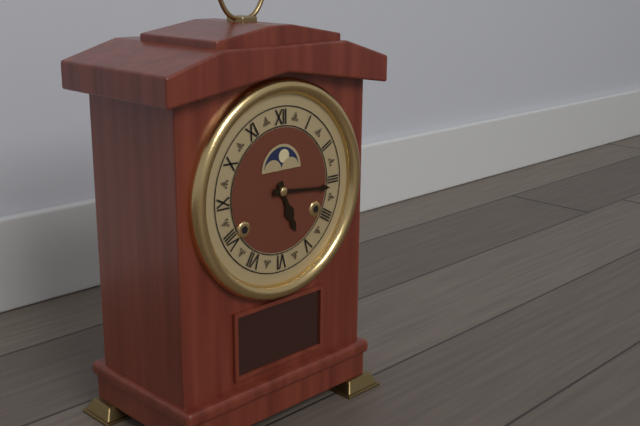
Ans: 5:16
